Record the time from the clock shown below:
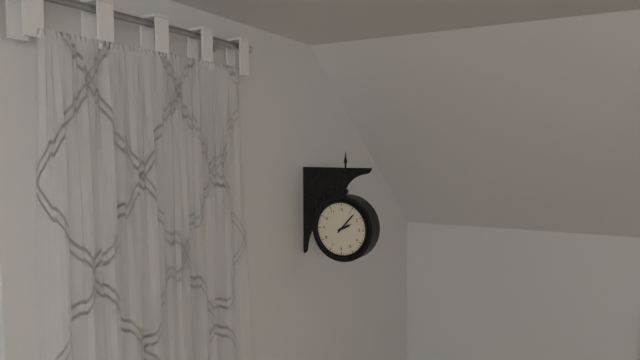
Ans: 2:07
